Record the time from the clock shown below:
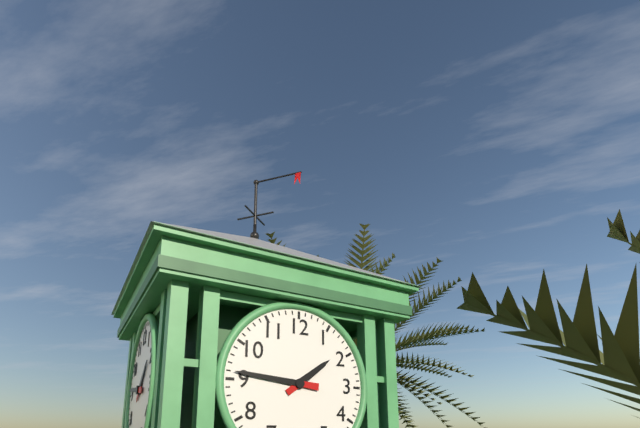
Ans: 1:46
